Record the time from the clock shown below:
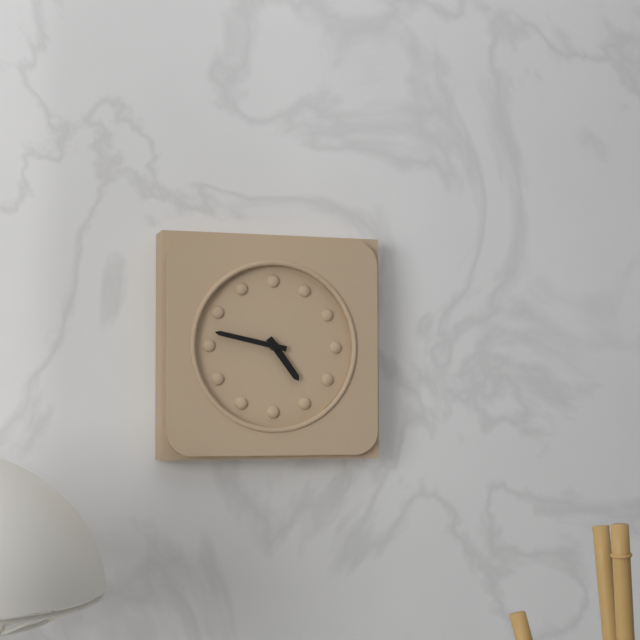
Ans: 4:47
